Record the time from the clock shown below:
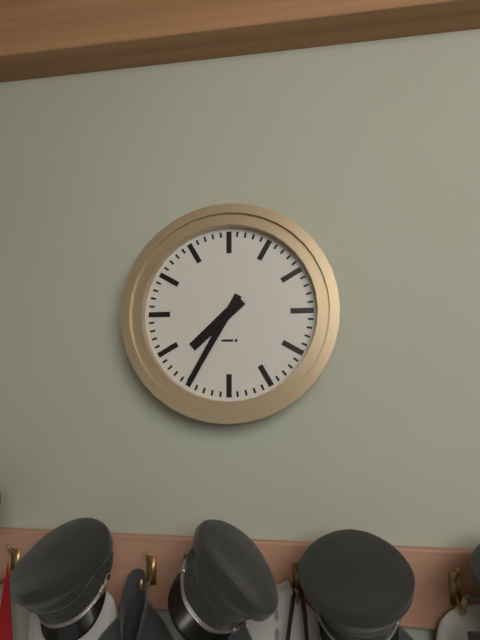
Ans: 7:35
